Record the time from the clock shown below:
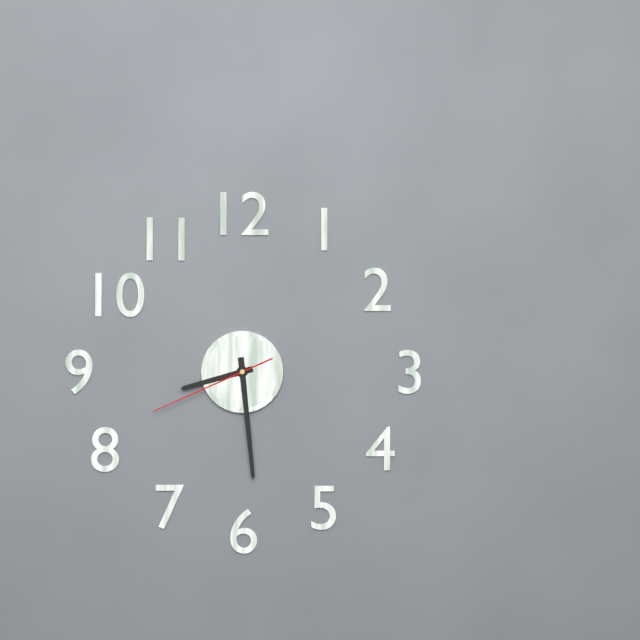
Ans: 8:29:41
